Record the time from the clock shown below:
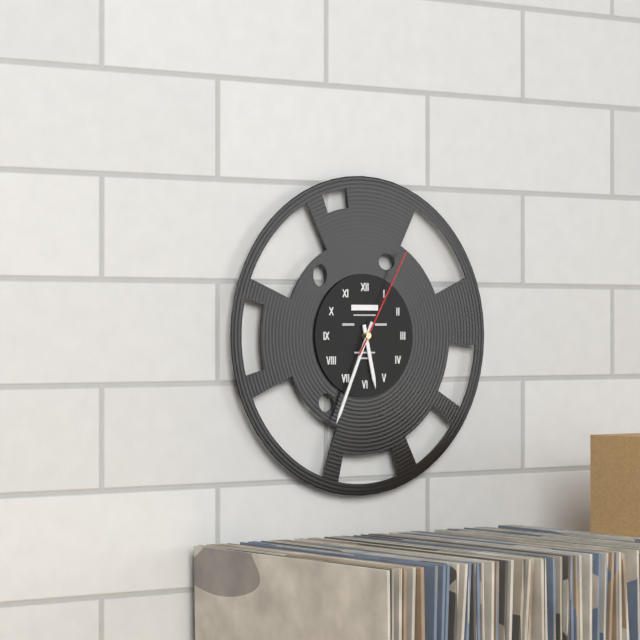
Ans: 5:34:05
